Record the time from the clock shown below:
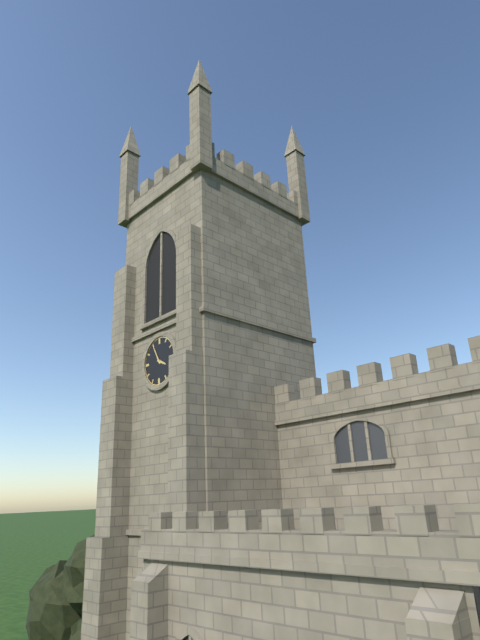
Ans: 3:55
